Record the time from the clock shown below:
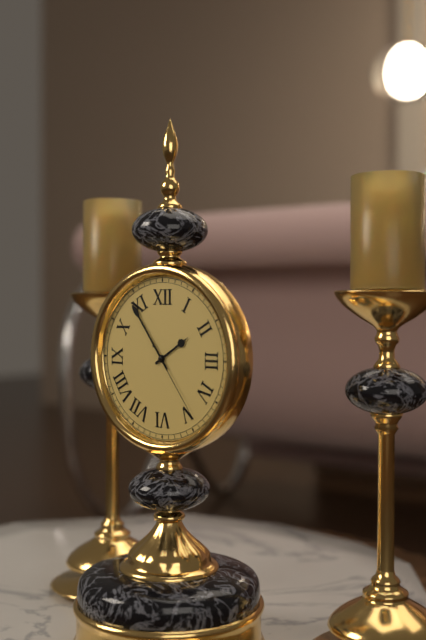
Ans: 1:54:24
